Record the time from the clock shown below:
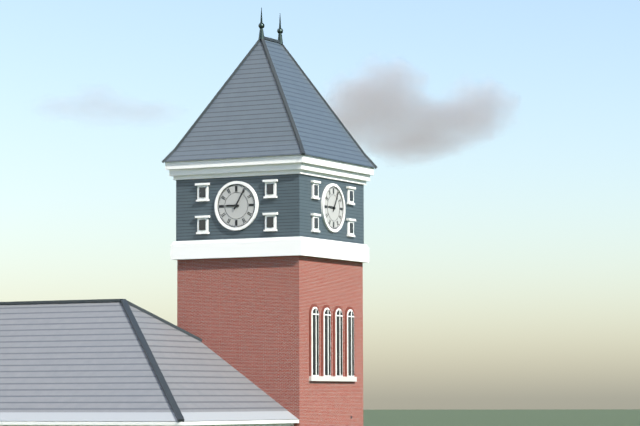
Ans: 9:05
